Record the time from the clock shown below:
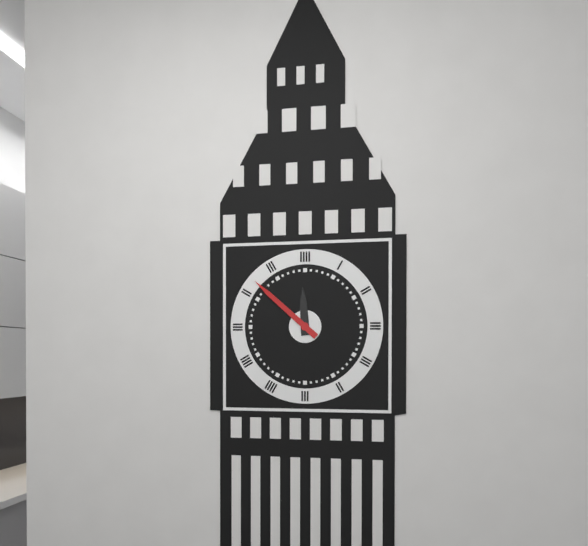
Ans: 11:52
